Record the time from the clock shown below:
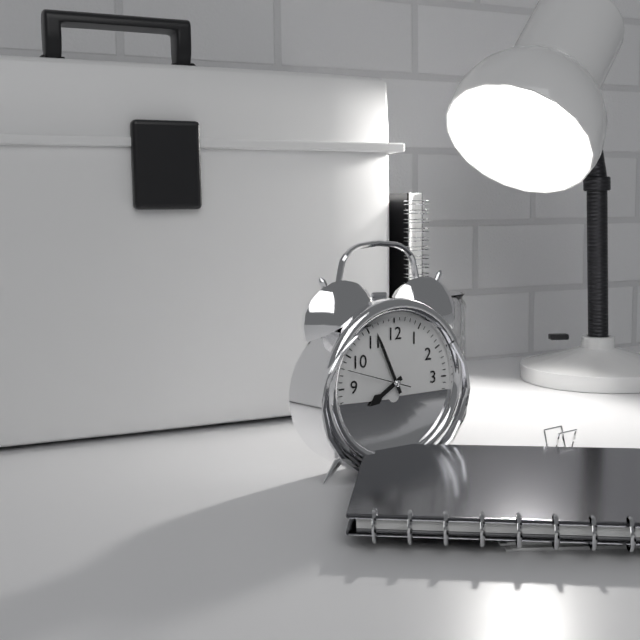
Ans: 7:56
